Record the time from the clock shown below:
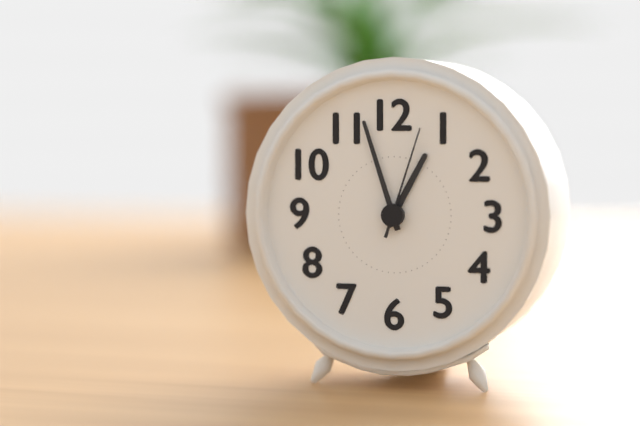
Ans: 12:57:03
